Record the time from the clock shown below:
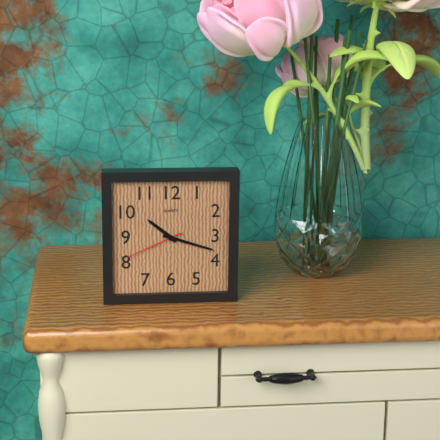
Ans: 10:18:41
